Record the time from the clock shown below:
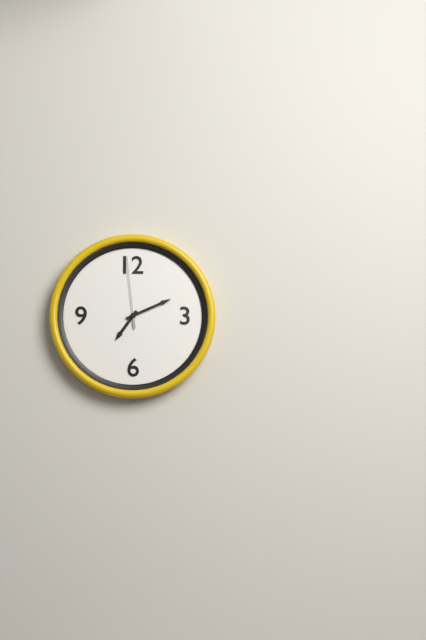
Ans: 7:11:59
